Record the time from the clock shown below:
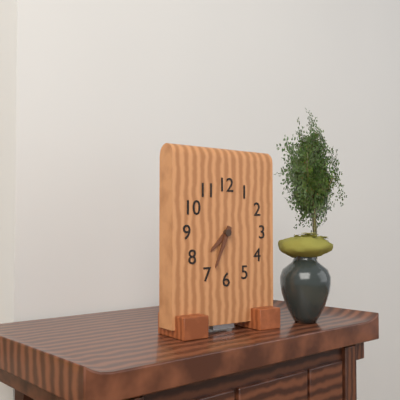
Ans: 7:34
